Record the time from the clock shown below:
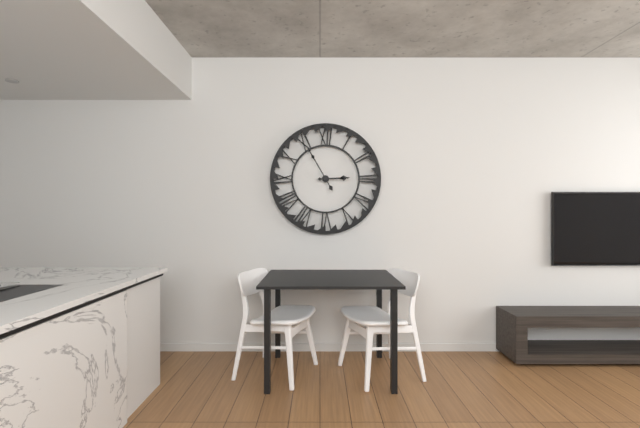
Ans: 2:55
